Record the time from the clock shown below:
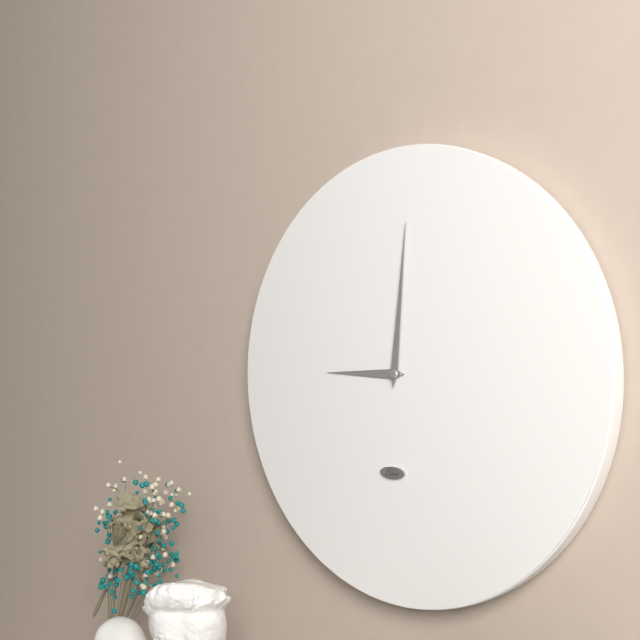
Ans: 9:01
